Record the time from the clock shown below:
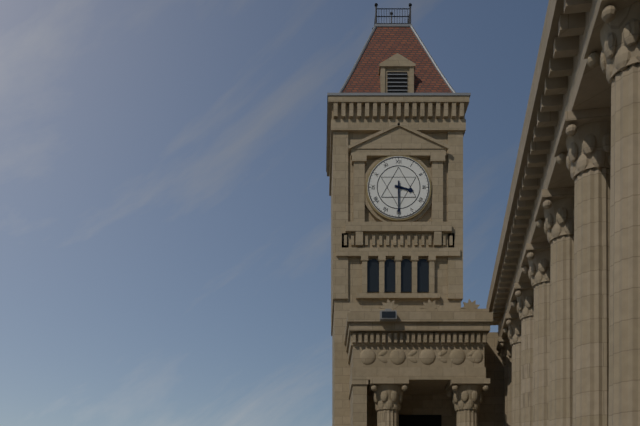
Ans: 3:30
